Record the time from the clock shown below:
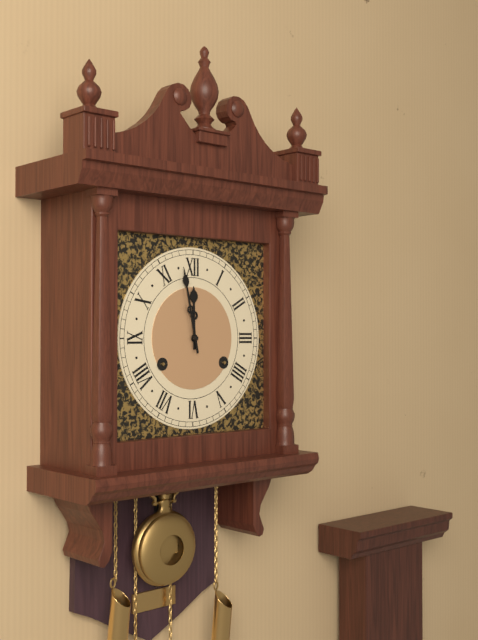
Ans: 11:58
